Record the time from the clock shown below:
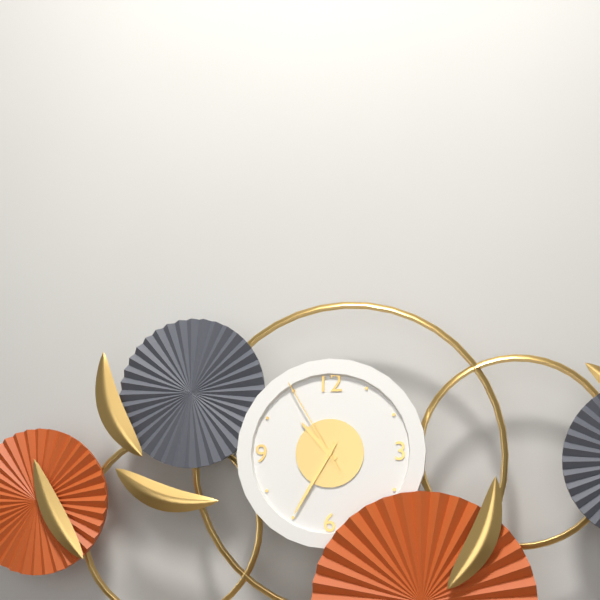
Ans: 10:35:55
